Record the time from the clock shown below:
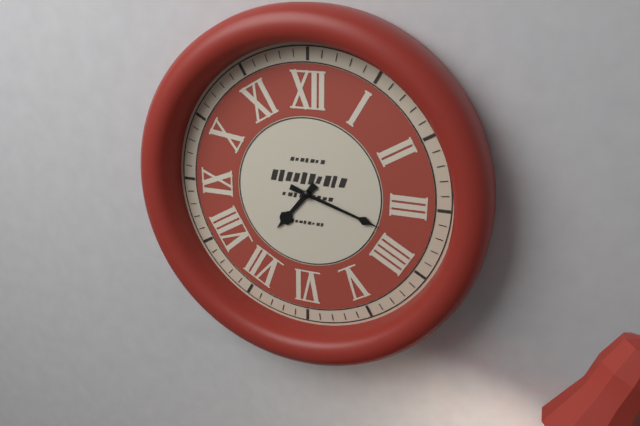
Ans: 7:18
